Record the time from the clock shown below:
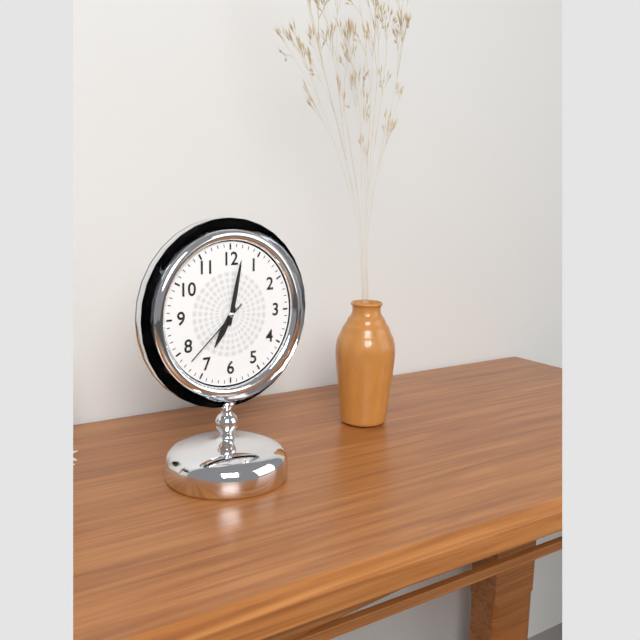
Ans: 7:02:38
